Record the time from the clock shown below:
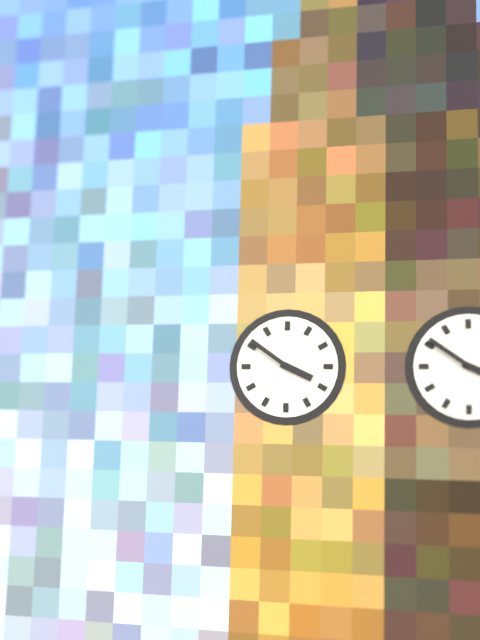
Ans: 3:51
